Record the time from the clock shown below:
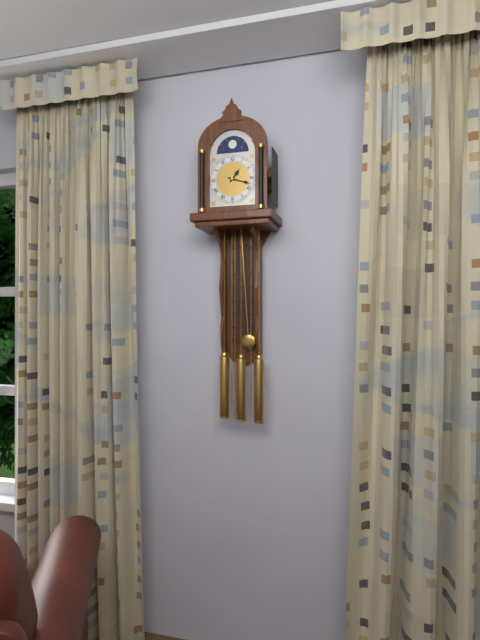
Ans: 1:18
